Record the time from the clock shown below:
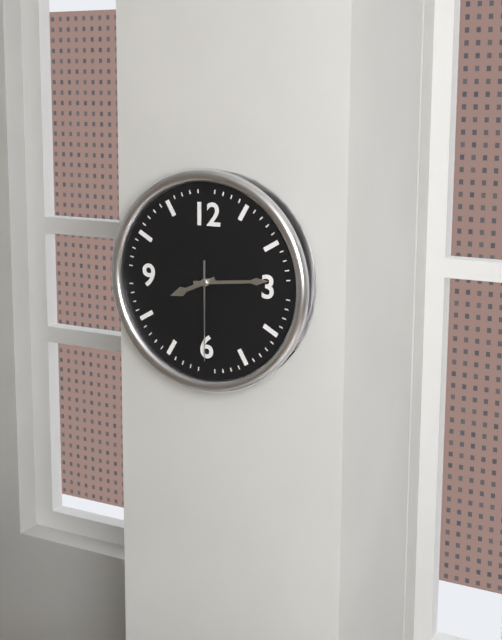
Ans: 8:14:30
